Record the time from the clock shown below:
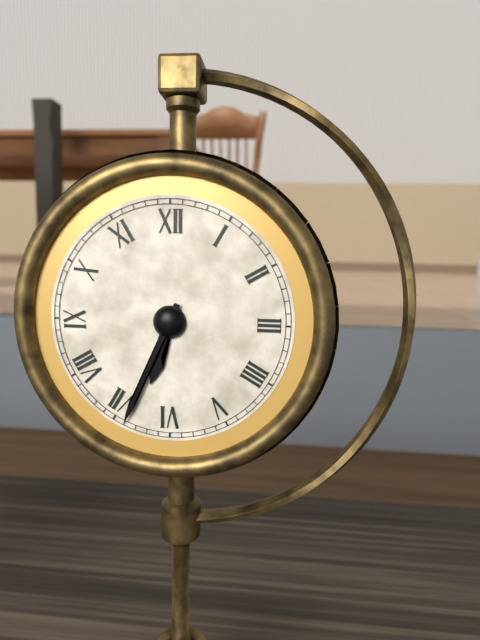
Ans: 6:34
